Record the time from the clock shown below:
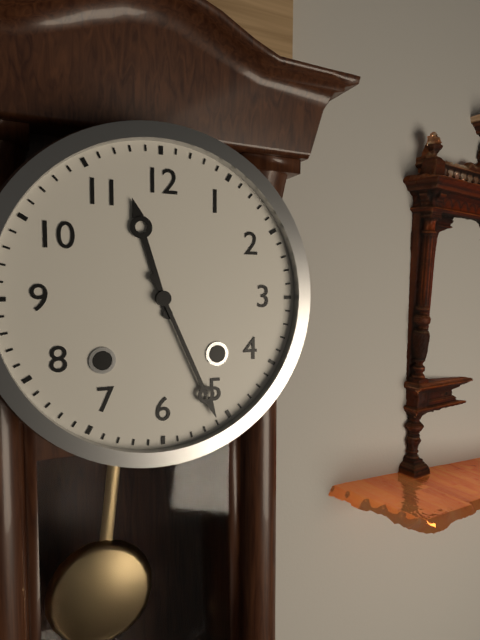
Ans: 11:26
